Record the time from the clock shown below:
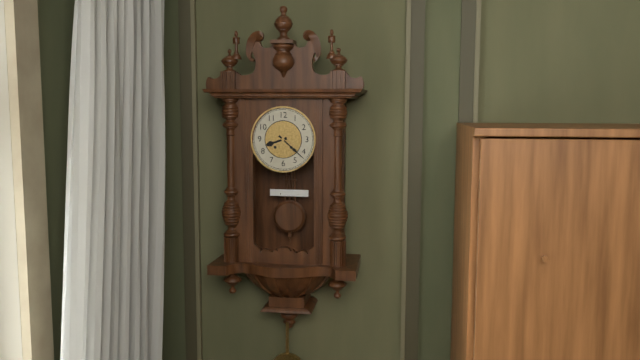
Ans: 8:22
